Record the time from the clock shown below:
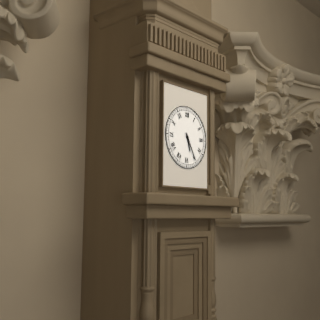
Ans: 5:25
